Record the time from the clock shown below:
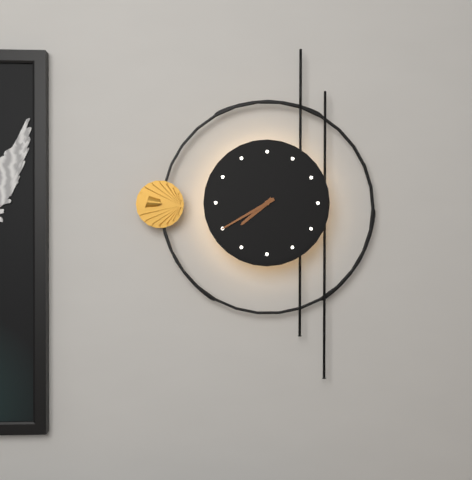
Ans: 7:40
